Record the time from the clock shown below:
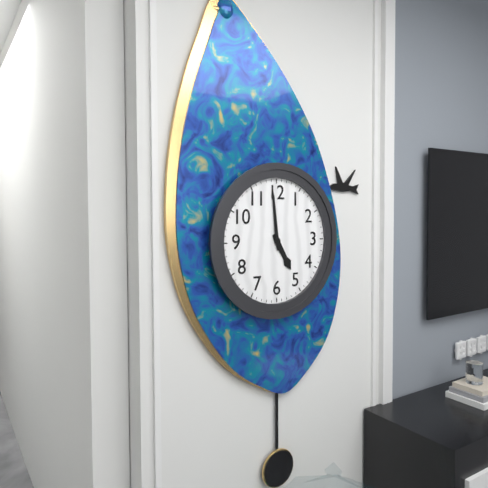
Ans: 4:59
